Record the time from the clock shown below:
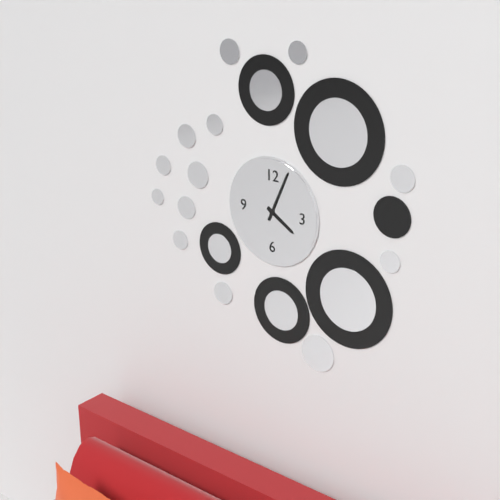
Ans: 4:04
